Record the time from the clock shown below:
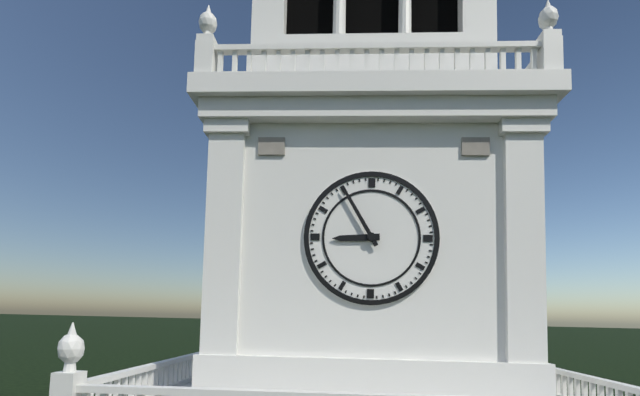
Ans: 8:55
